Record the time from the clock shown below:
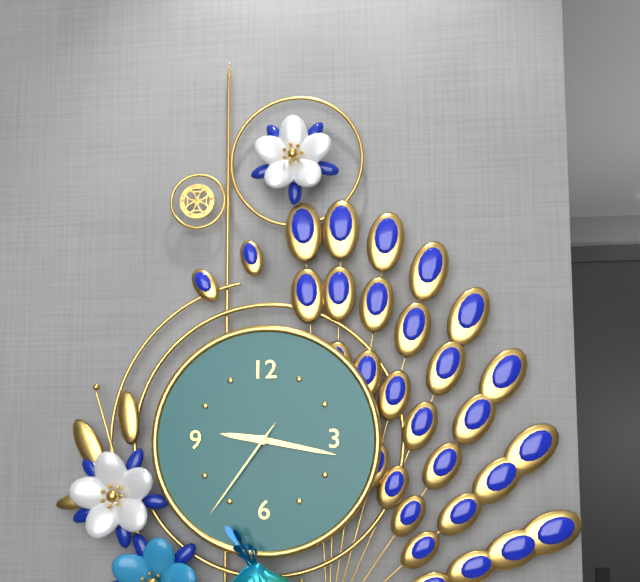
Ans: 9:17:36
